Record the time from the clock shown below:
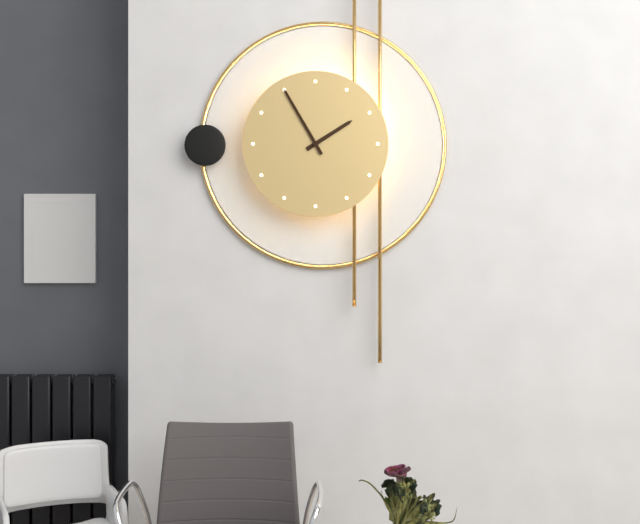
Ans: 1:55
